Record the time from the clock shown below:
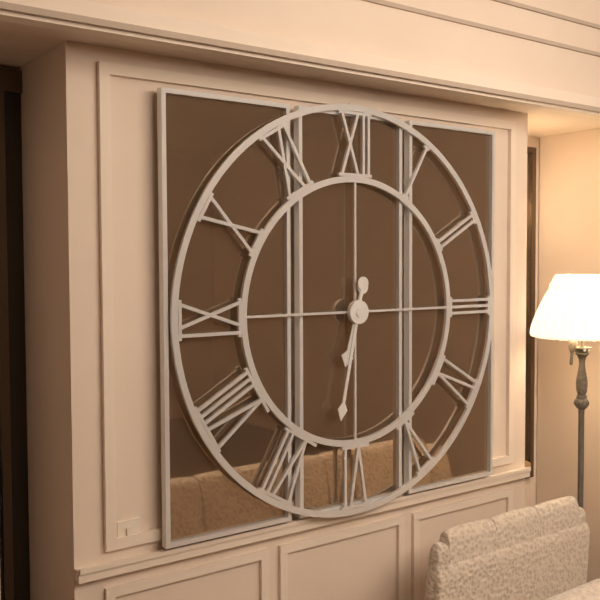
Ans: 6:32
